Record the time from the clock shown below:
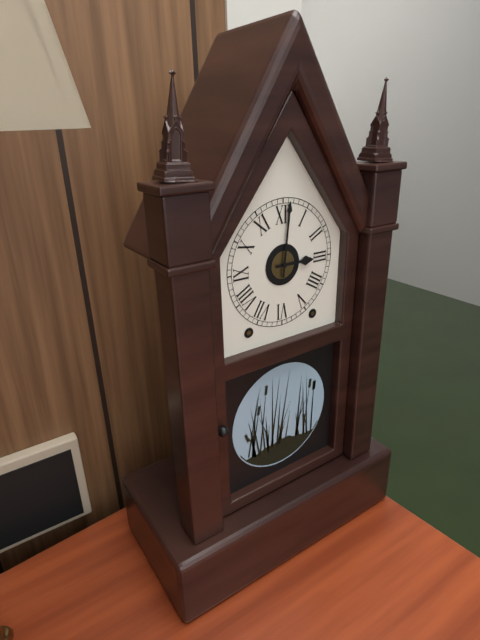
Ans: 3:01
